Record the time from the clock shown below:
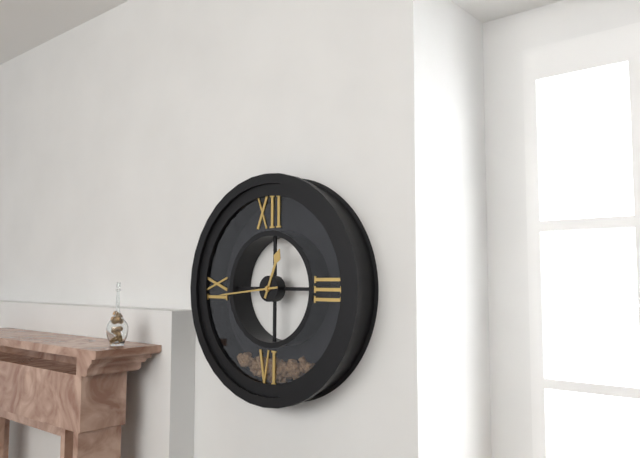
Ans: 12:44
